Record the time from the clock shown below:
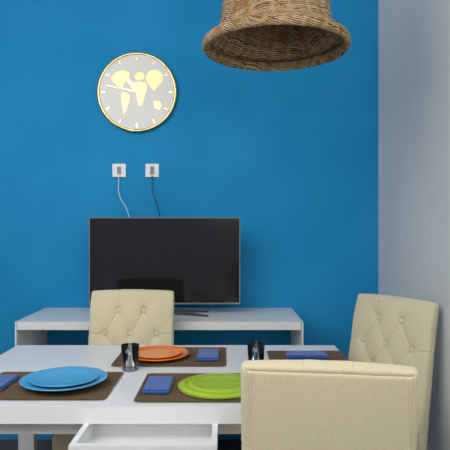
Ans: 10:47
